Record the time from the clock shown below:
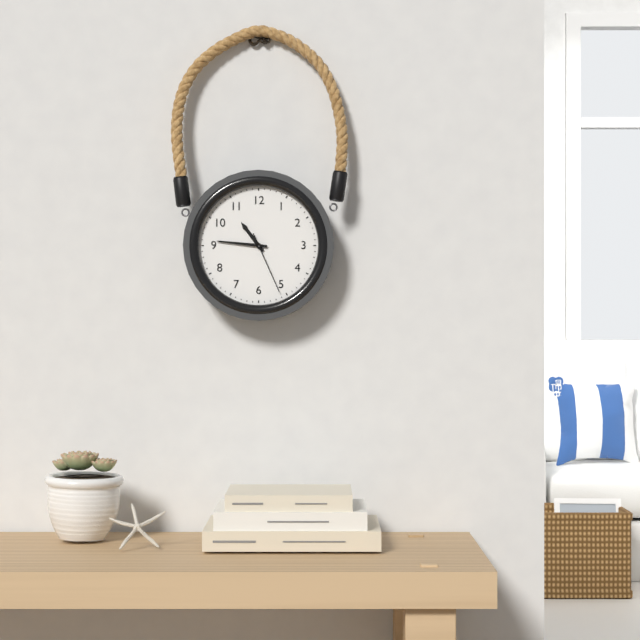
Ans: 10:46:26
